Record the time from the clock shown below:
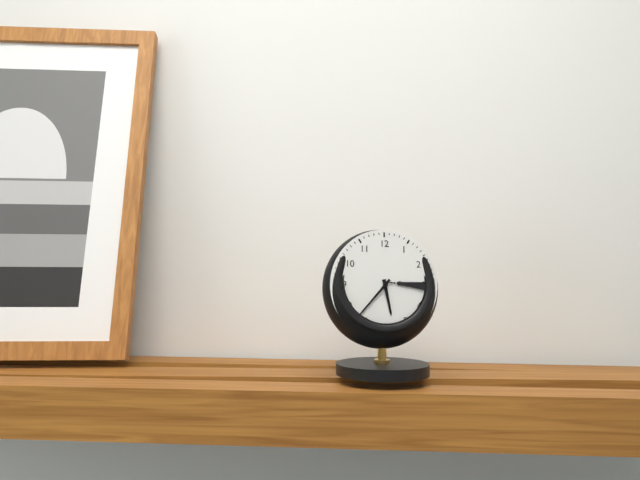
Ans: 5:37
